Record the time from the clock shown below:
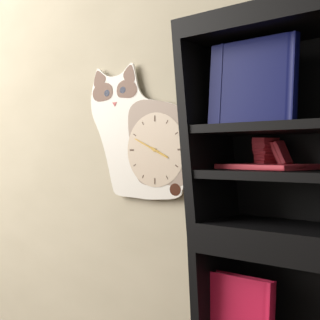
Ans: 3:49
